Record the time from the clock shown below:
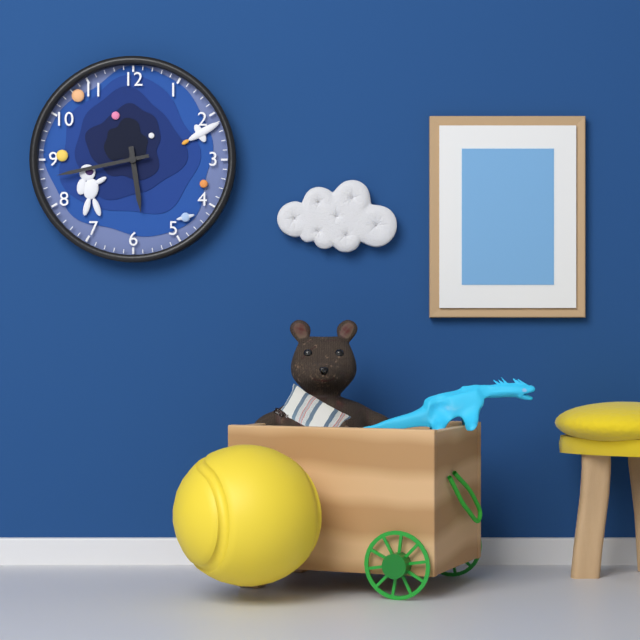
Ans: 5:43
